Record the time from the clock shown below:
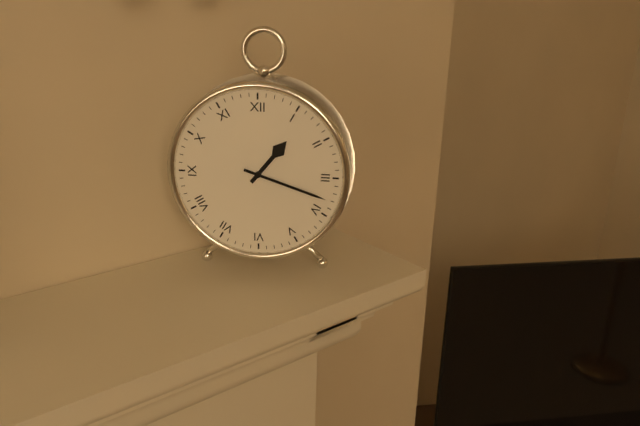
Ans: 1:18
